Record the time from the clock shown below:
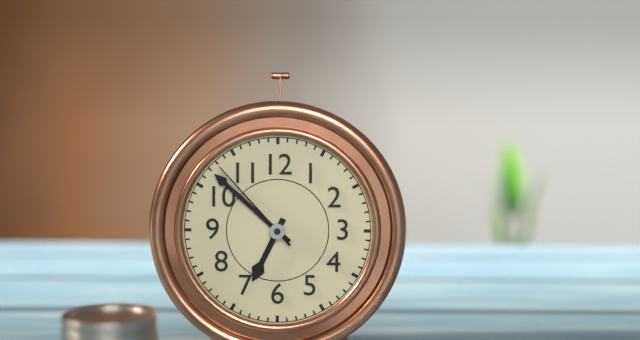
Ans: 6:52:53
